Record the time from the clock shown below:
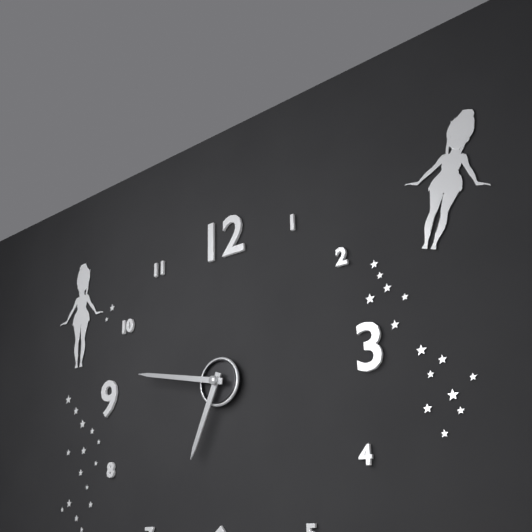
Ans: 6:47
